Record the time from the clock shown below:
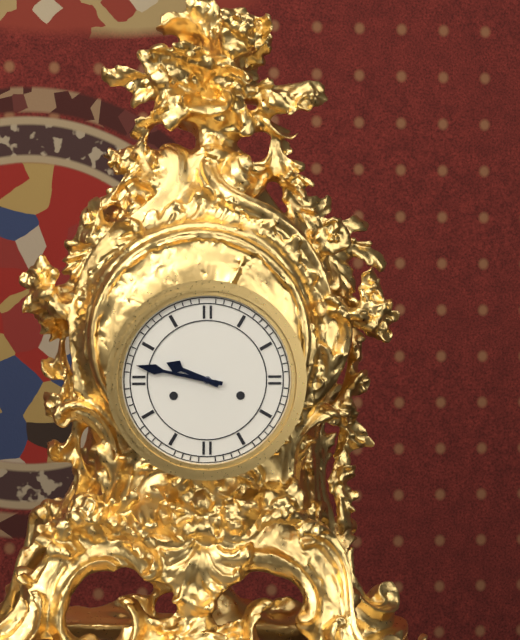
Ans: 9:47
